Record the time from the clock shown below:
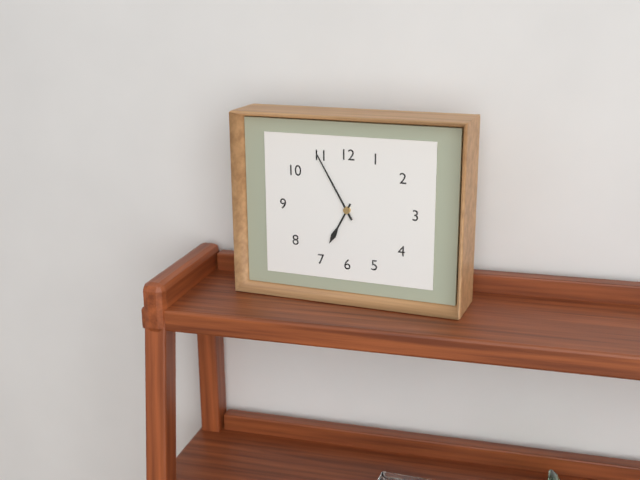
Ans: 6:55
